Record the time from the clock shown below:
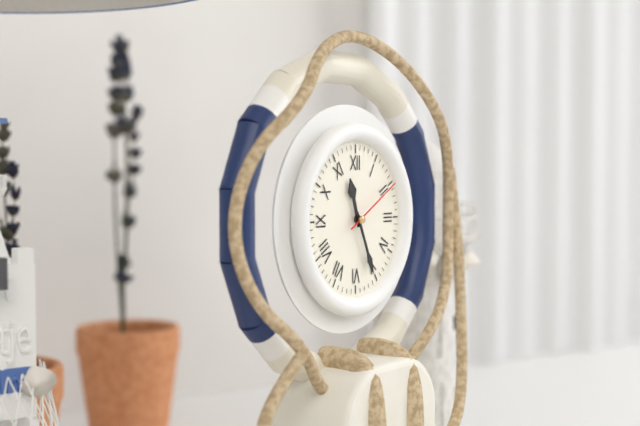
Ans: 11:26:10
